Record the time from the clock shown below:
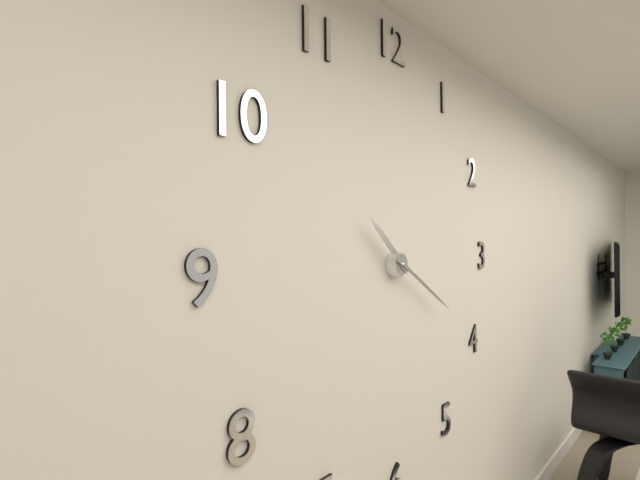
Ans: 10:20
